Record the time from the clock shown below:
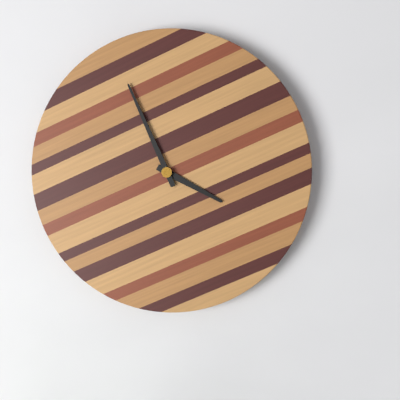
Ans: 3:56
